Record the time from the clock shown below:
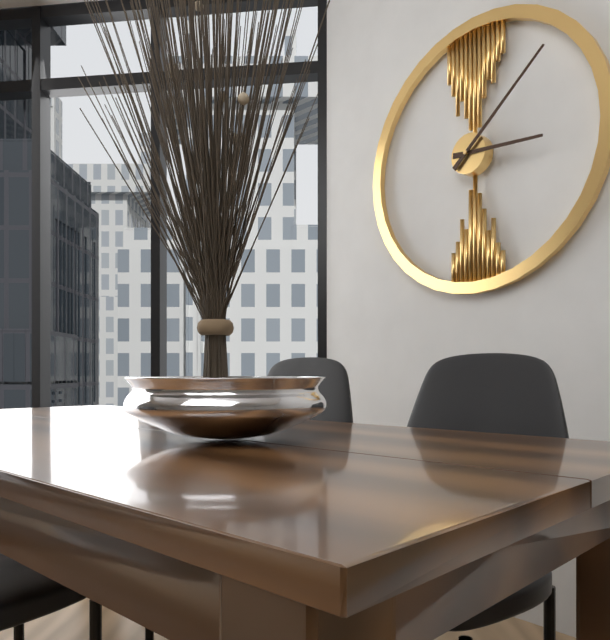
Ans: 3:08
